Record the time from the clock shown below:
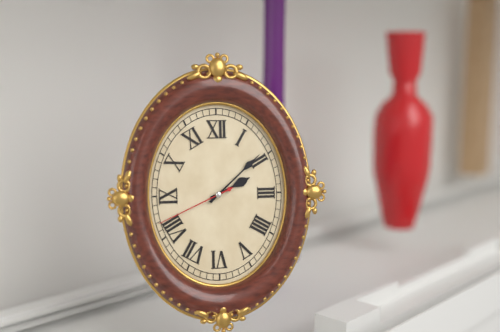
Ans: 2:08:41
